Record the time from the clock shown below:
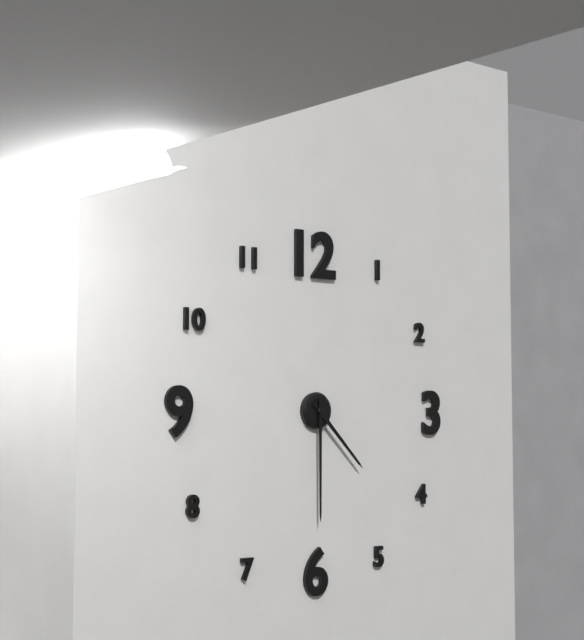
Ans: 4:30
